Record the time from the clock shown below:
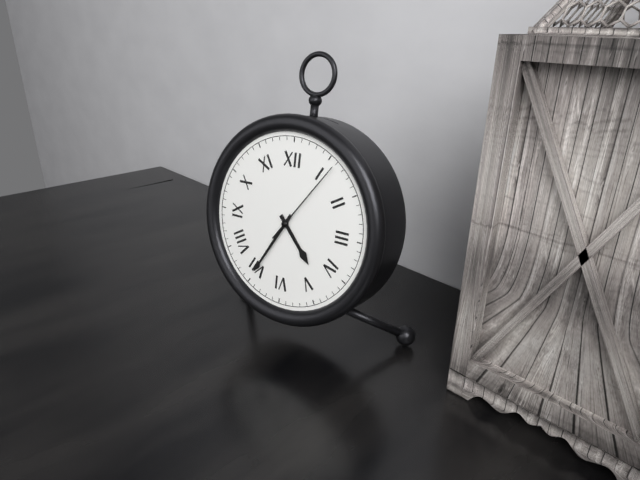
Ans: 4:35:06
